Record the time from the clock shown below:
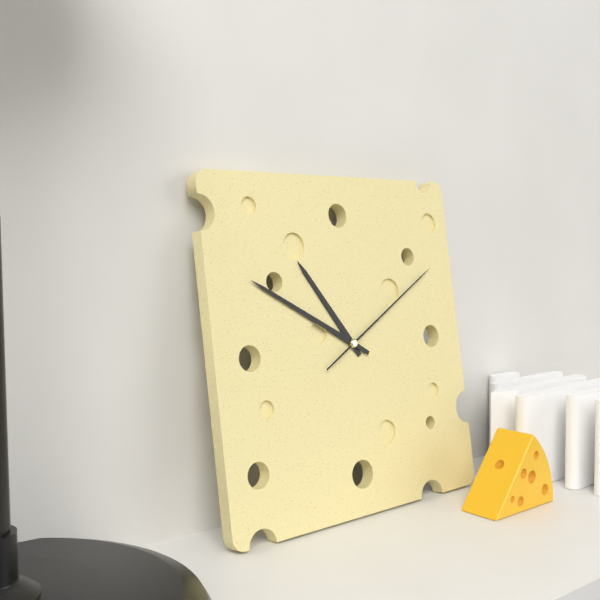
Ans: 10:50:10
